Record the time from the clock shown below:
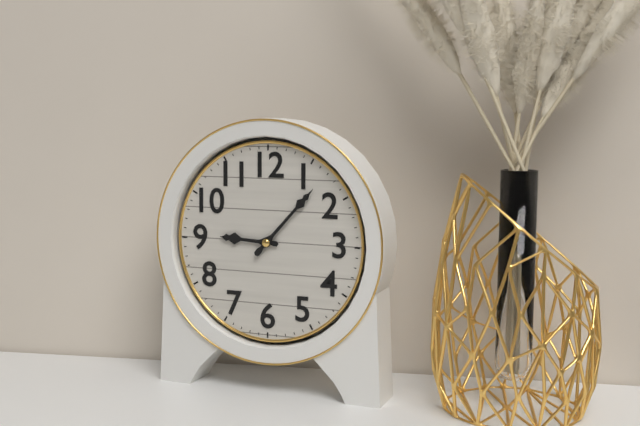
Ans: 9:07
